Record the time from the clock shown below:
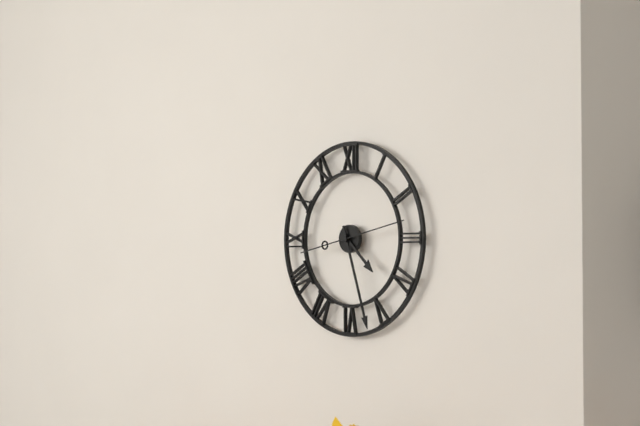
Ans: 4:27:13
